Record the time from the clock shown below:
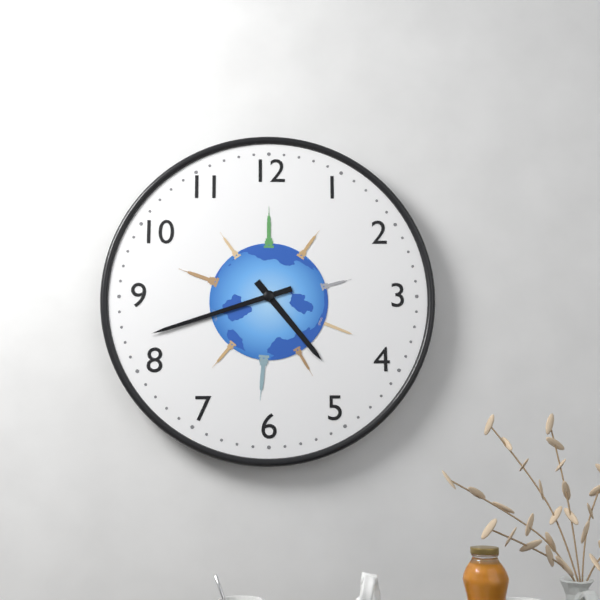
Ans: 4:42
